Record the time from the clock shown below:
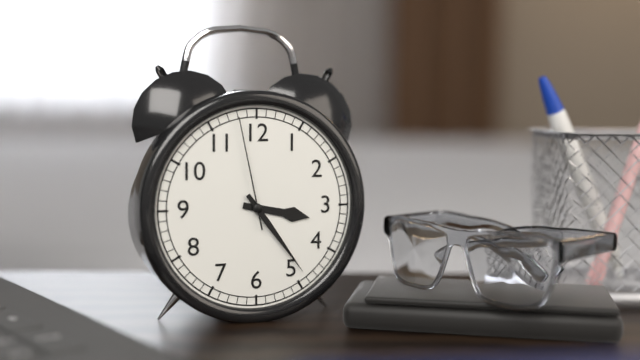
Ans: 3:24:58
